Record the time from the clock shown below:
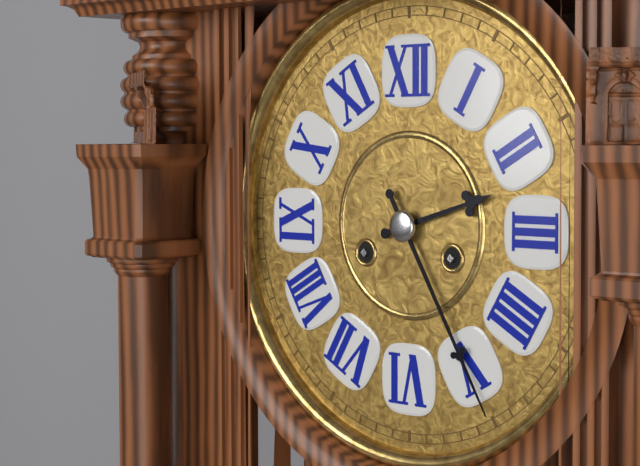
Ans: 2:25
